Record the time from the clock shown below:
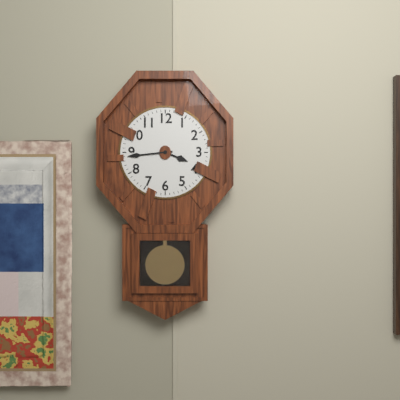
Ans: 3:44
